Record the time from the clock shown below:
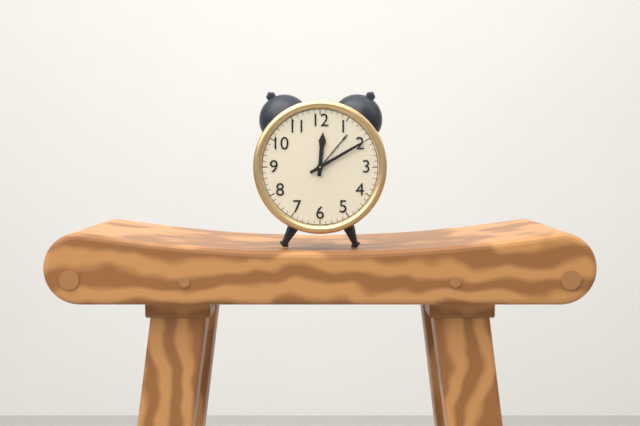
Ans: 12:10
